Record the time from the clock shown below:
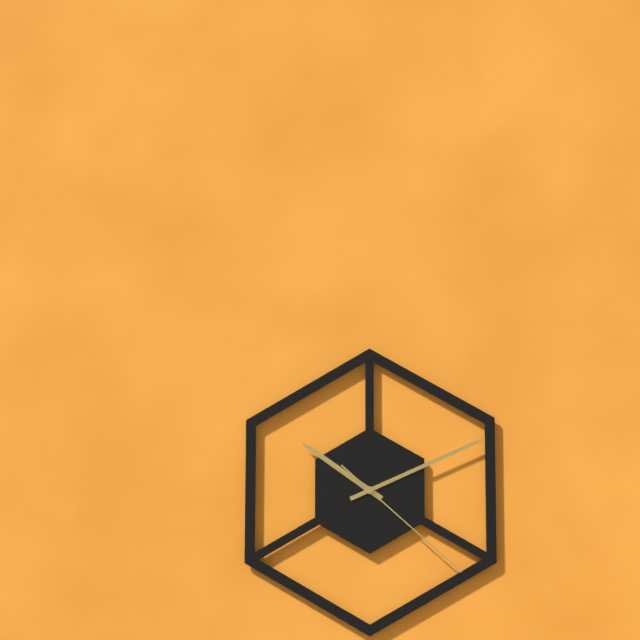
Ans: 10:11:22
